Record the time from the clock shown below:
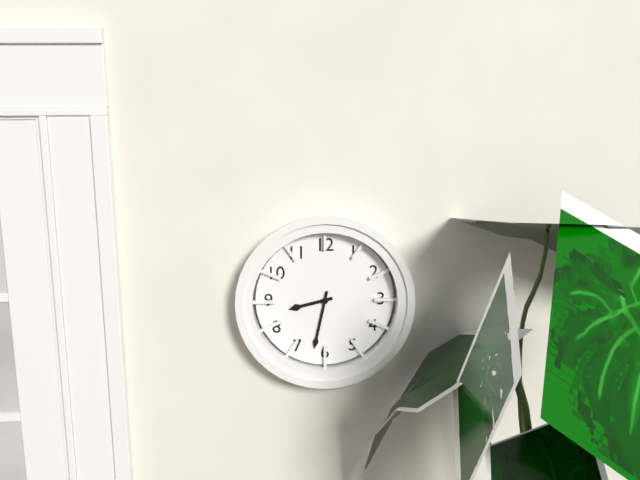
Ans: 8:32
